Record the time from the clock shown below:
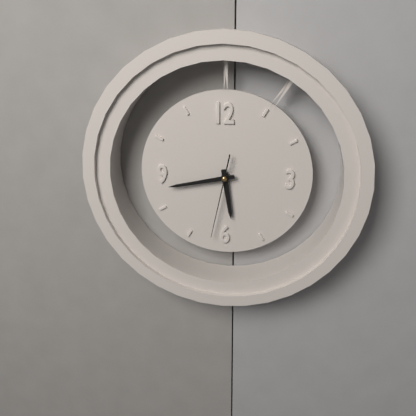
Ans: 5:43:32
